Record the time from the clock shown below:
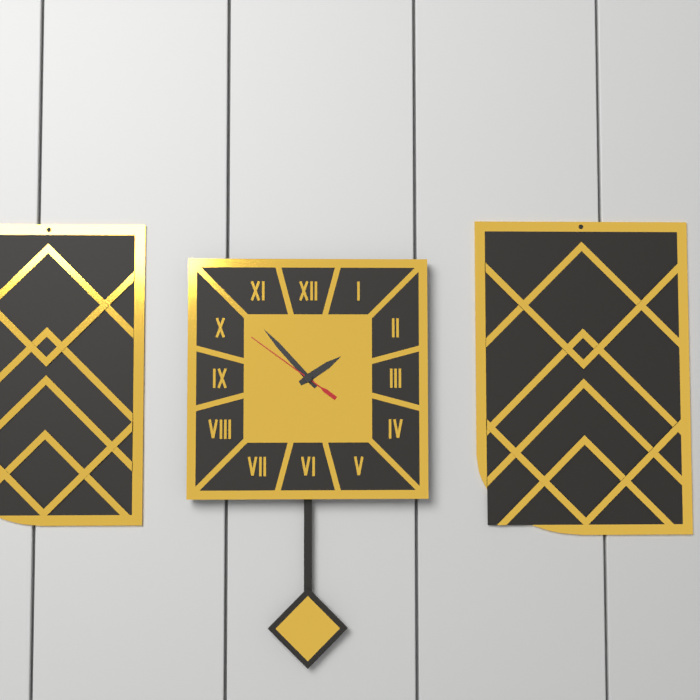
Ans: 1:53:51
